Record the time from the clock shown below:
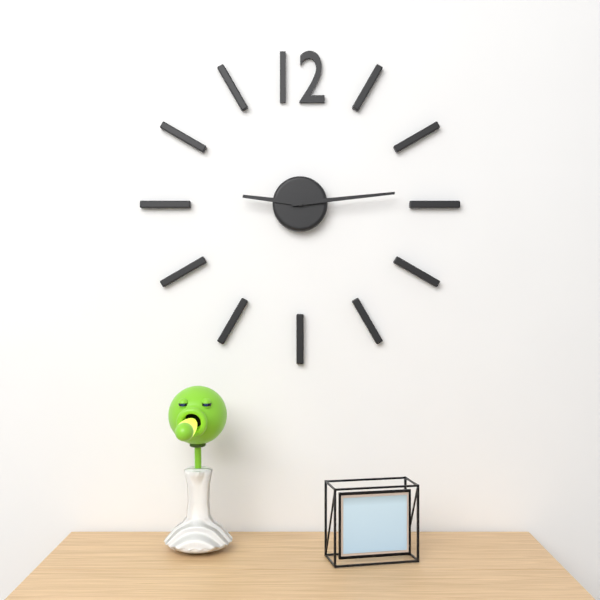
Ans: 9:14
